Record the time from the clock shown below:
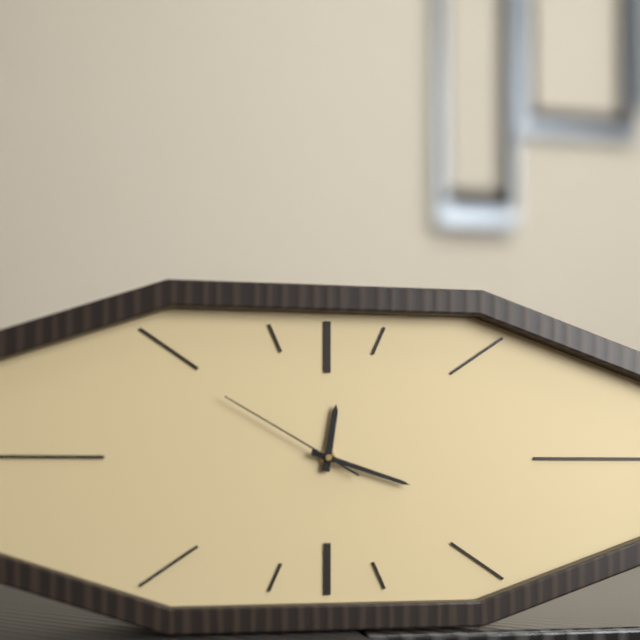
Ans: 12:18:50
